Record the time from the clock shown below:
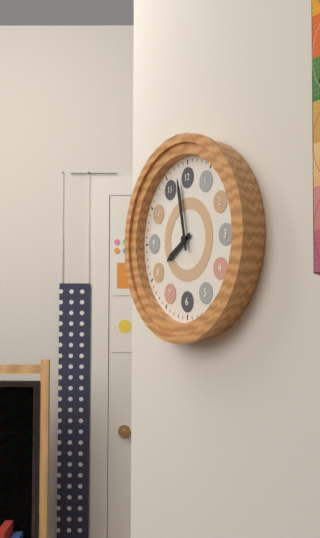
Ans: 7:58
